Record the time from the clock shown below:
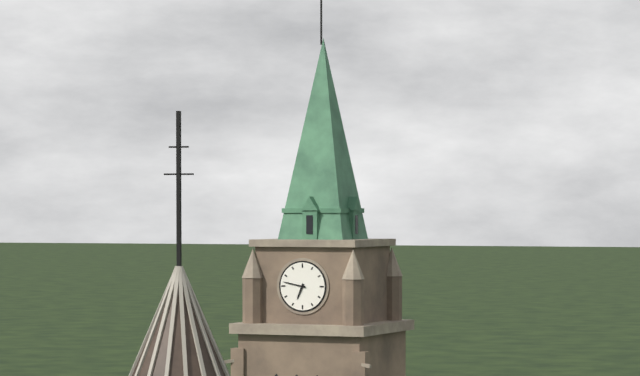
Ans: 6:47
